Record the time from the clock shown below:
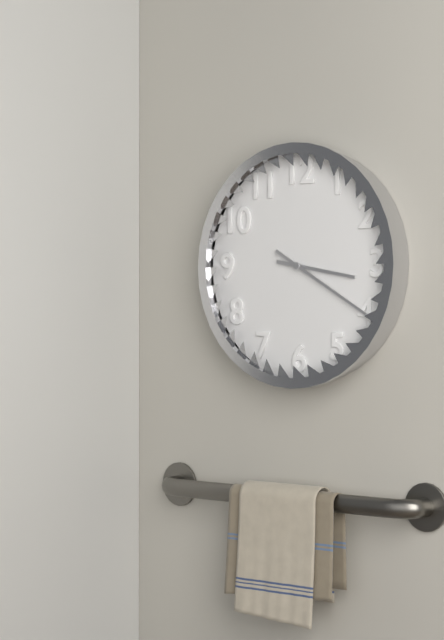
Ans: 3:20
